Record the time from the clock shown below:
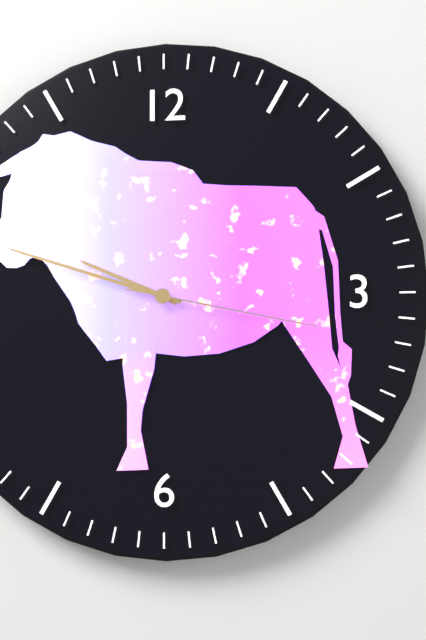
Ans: 9:48:17
